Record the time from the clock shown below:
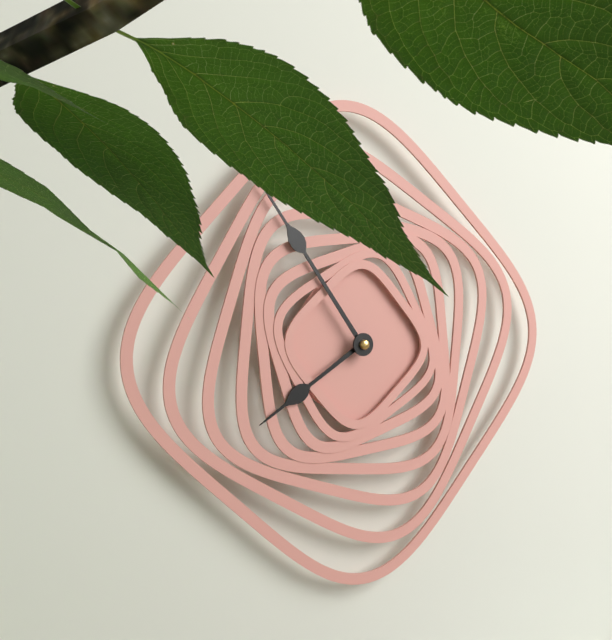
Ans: 7:54
